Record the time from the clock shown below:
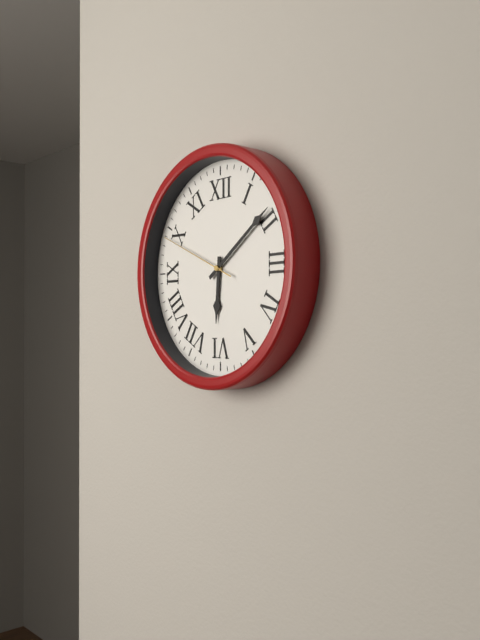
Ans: 6:09:49
